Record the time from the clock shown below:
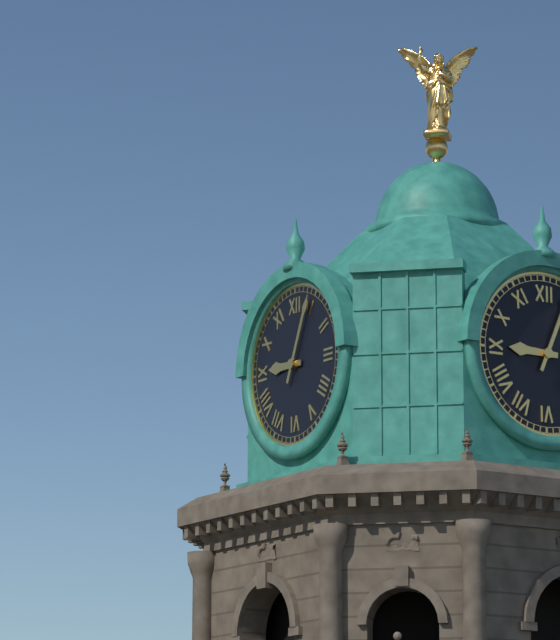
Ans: 9:04
